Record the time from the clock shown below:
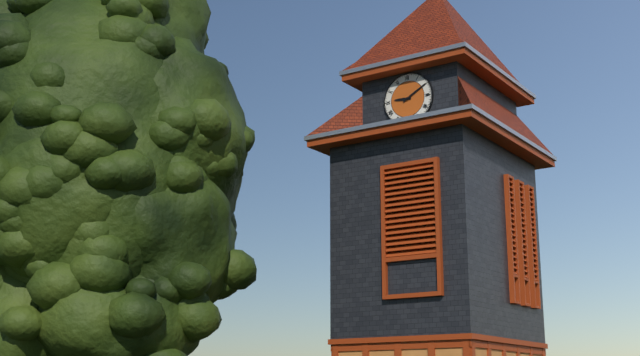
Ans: 9:10
